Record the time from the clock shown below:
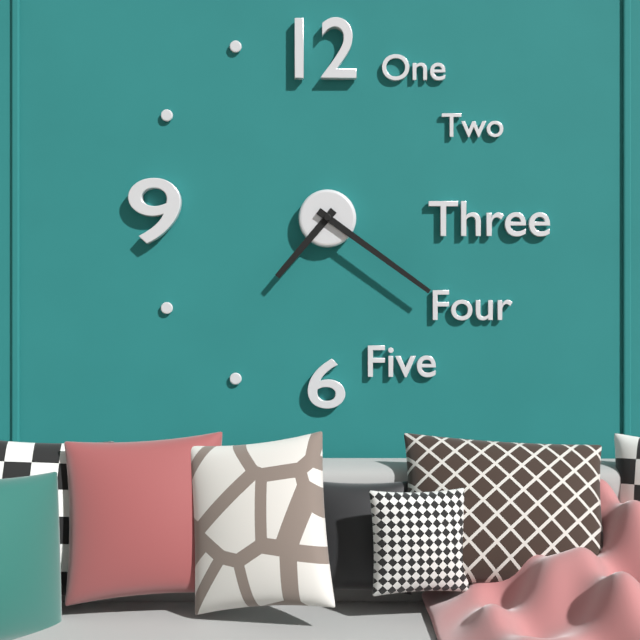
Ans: 7:21
